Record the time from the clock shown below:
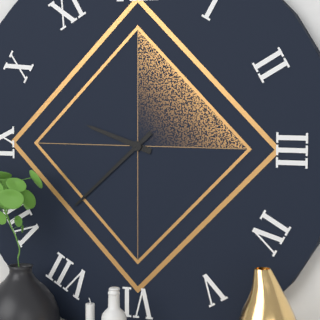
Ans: 9:38
